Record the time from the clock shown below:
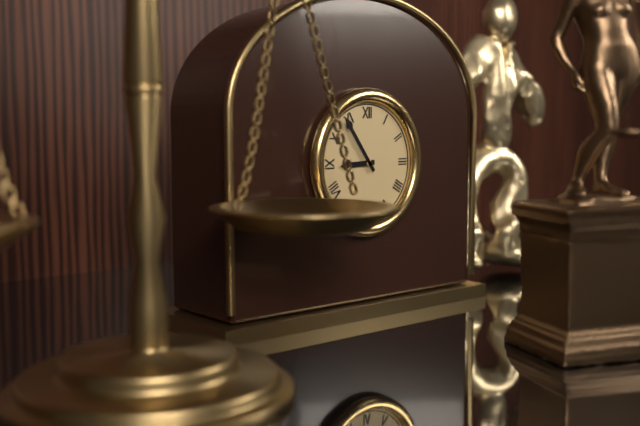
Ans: 8:54
